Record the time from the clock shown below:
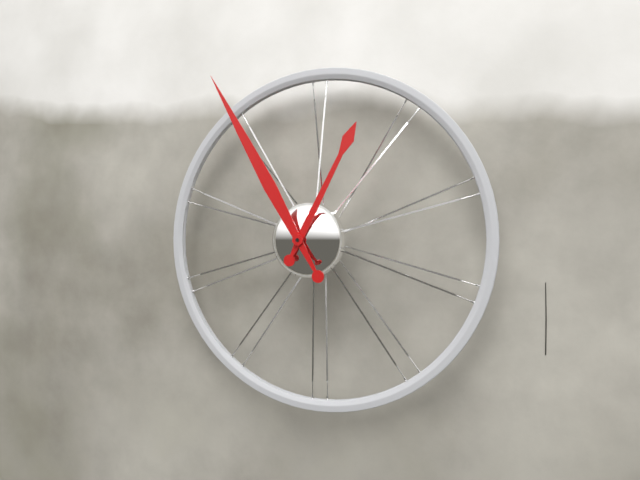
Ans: 12:55
